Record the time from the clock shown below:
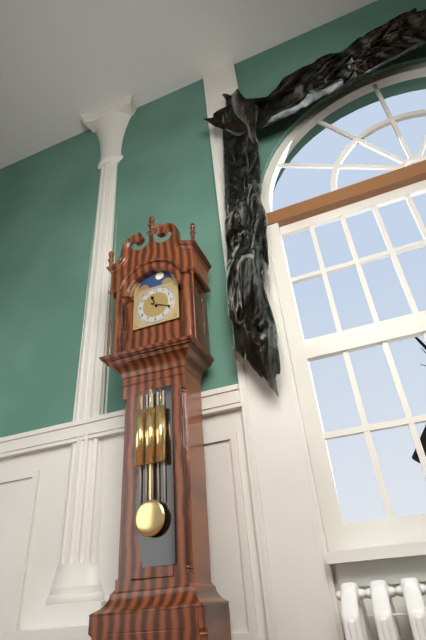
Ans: 11:19
